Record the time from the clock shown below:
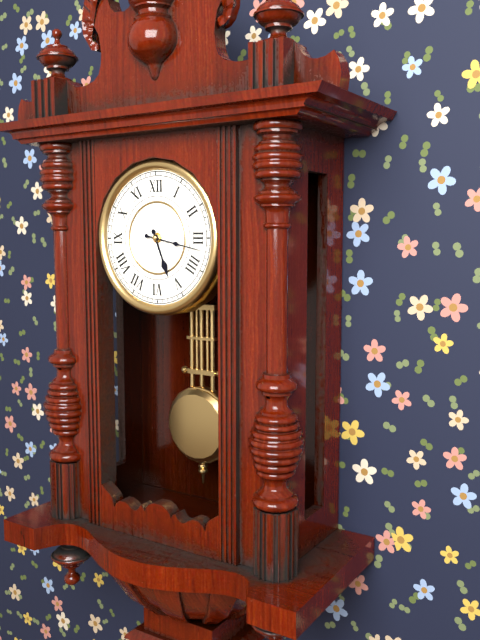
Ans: 5:17
